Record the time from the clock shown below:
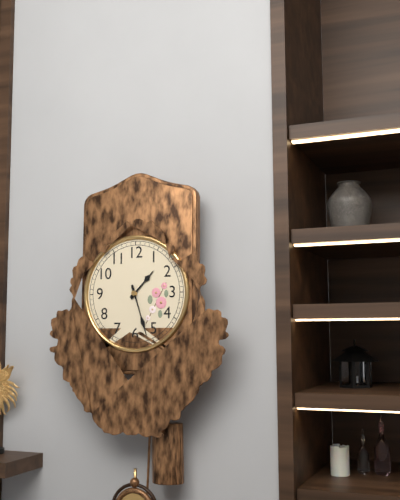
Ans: 1:27
